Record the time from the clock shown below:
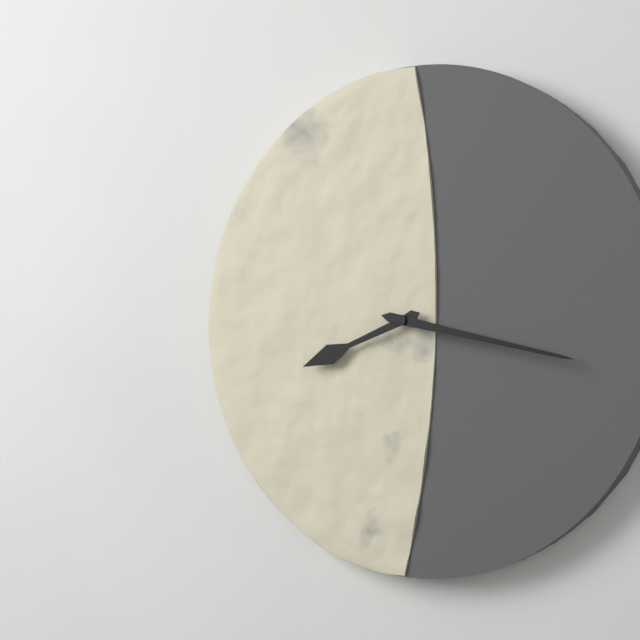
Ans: 8:17
